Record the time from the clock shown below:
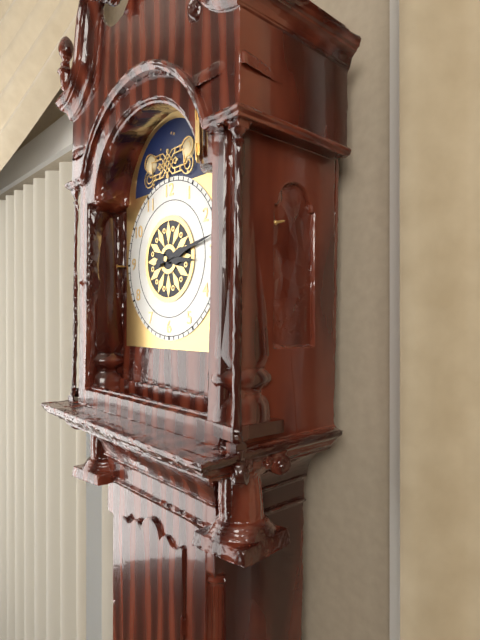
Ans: 3:13
